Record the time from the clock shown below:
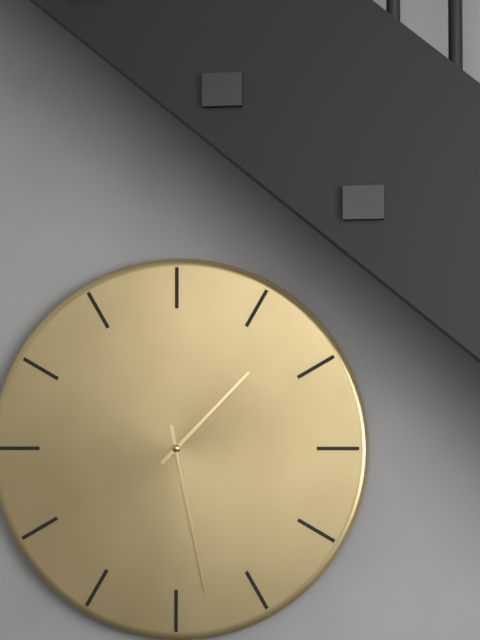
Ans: 1:28
